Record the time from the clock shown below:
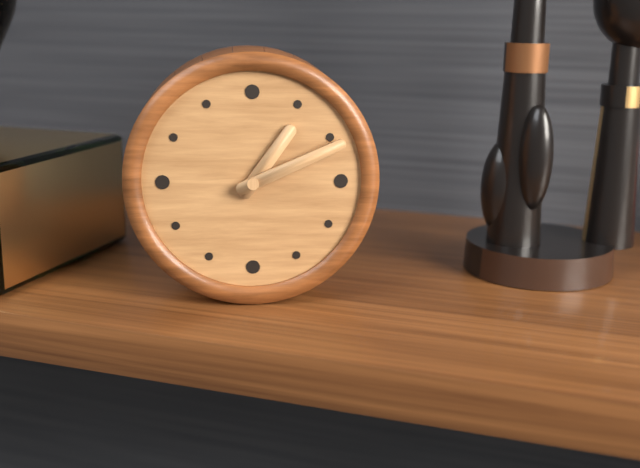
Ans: 1:11
